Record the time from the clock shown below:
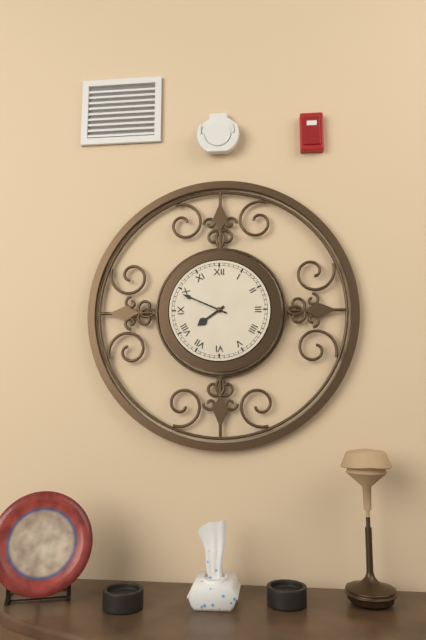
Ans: 7:49
